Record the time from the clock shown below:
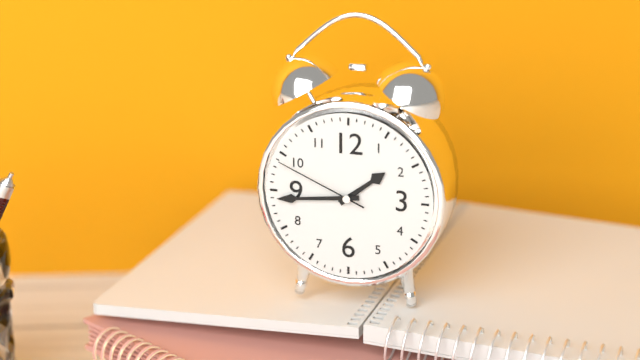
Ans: 1:44:49
